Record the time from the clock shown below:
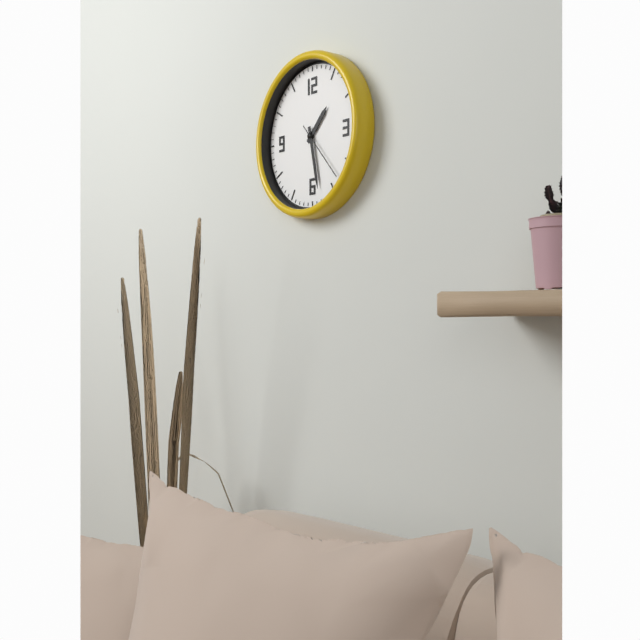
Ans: 1:28:23
